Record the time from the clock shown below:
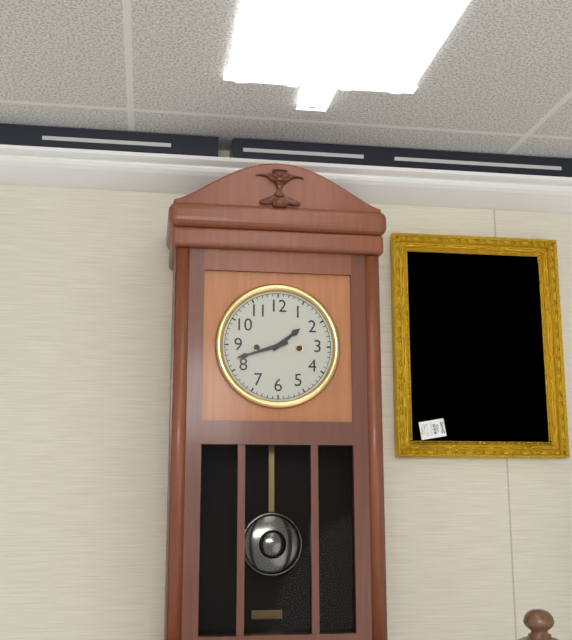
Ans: 1:42
